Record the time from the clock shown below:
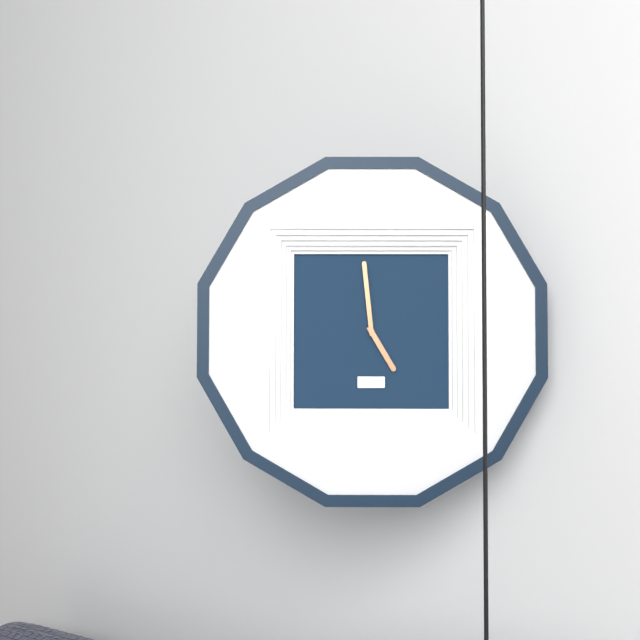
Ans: 4:59
